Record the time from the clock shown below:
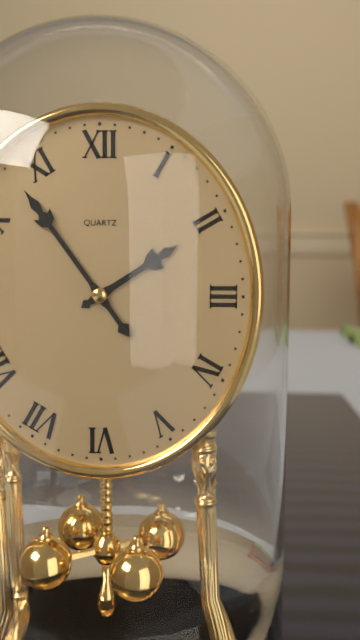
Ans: 1:54
